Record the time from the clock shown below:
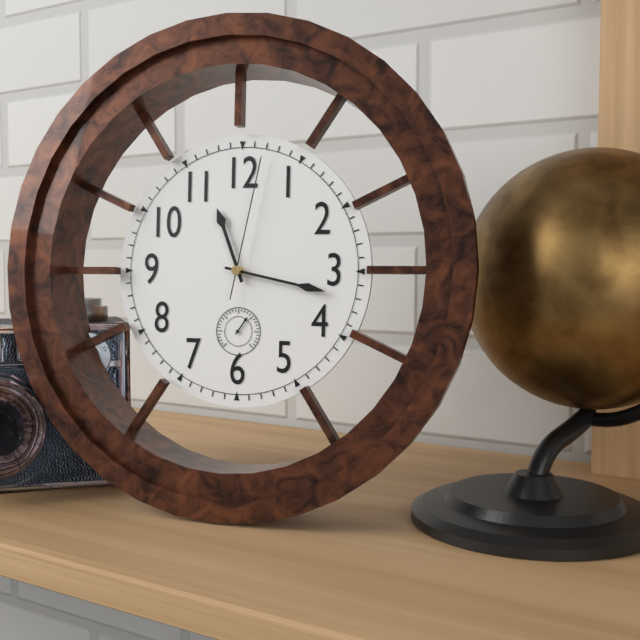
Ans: 11:17:02
